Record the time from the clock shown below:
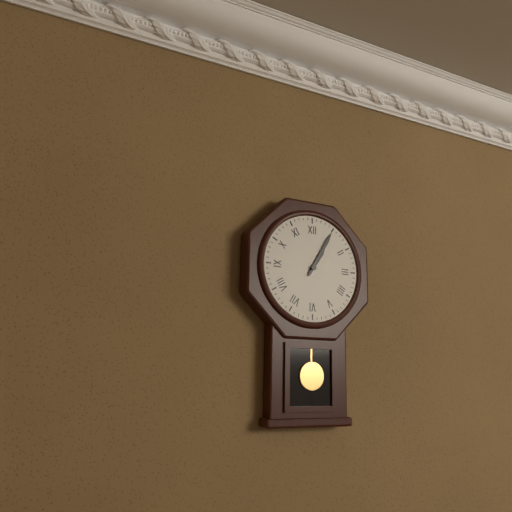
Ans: 1:05
